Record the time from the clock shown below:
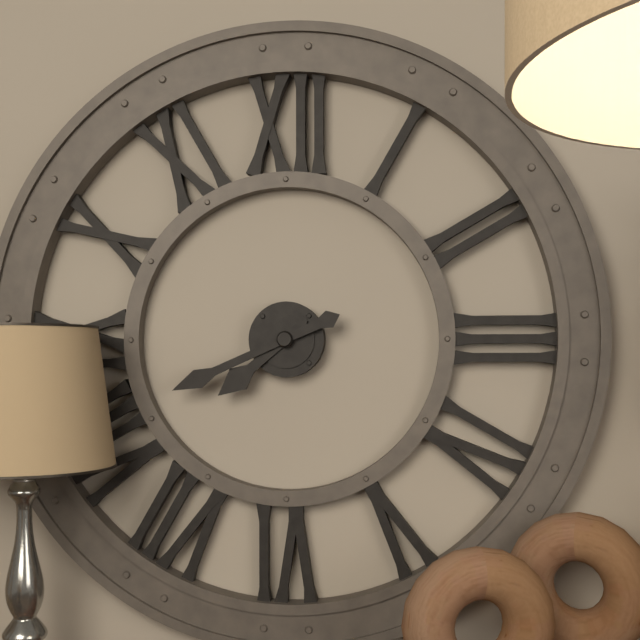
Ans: 7:41
